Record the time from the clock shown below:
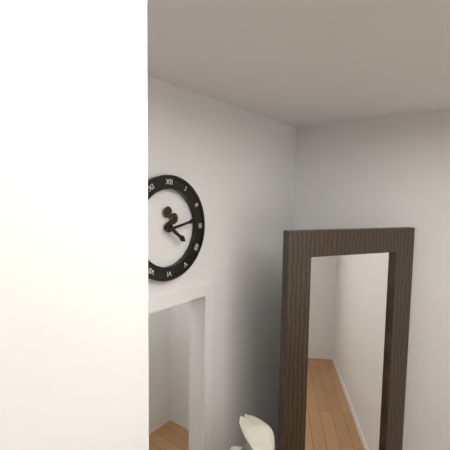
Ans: 4:13
